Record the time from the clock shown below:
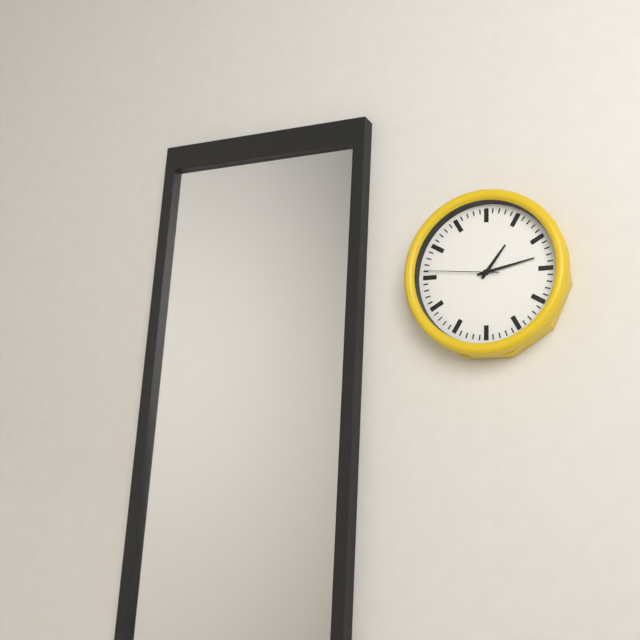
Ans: 1:13:46
